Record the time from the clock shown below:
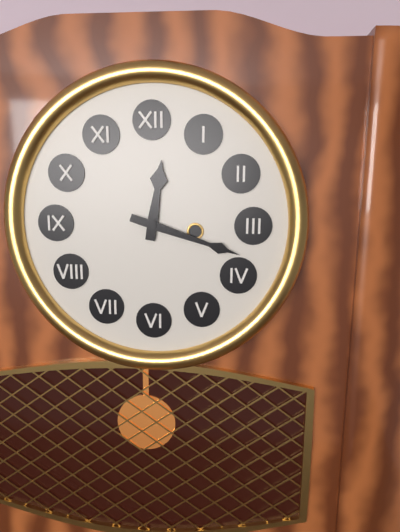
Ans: 12:18
